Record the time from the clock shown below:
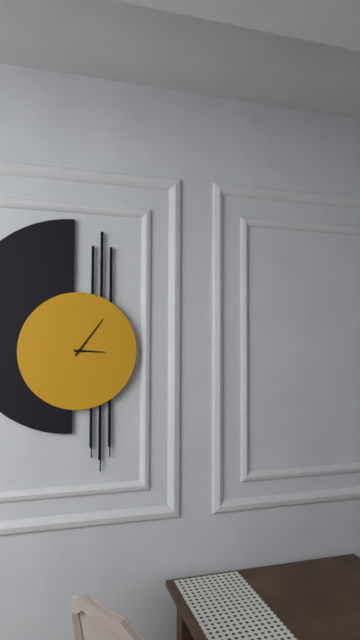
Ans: 3:06
